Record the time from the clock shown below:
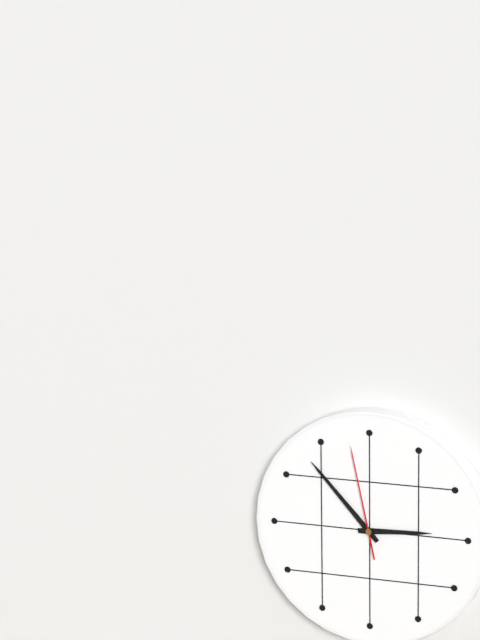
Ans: 2:53:58
